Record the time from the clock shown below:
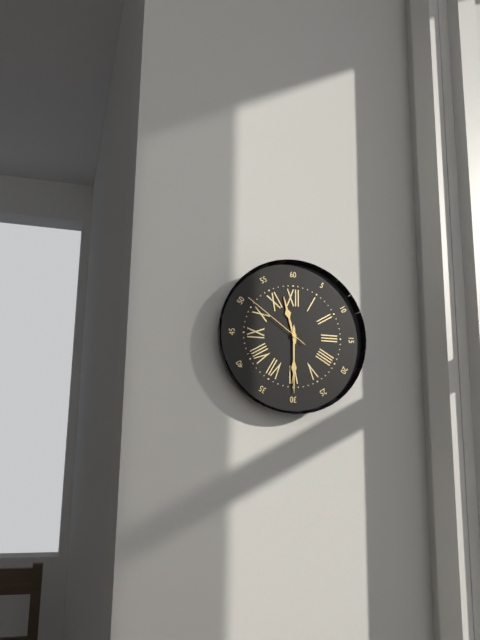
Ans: 11:30:51
